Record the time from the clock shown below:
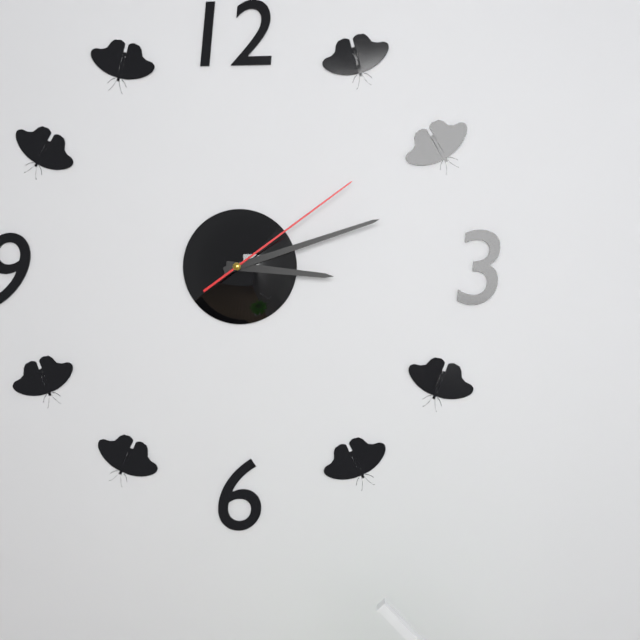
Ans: 3:12:09
